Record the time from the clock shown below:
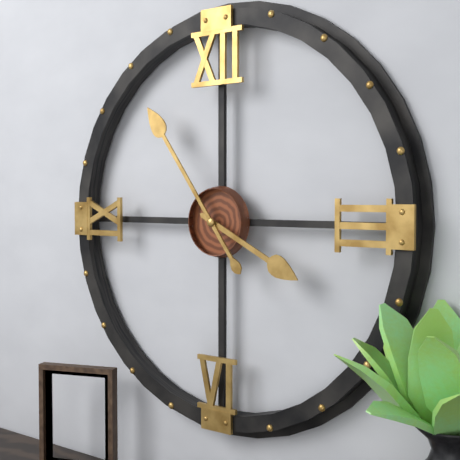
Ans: 3:54
